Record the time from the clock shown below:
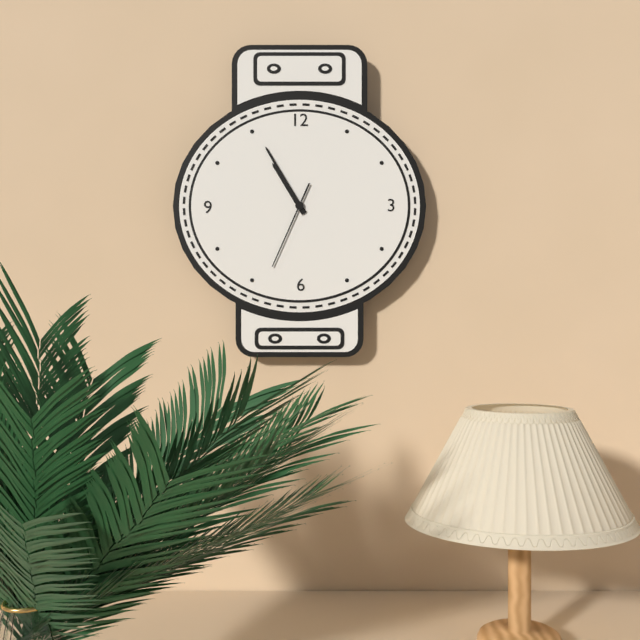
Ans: 10:55:34
